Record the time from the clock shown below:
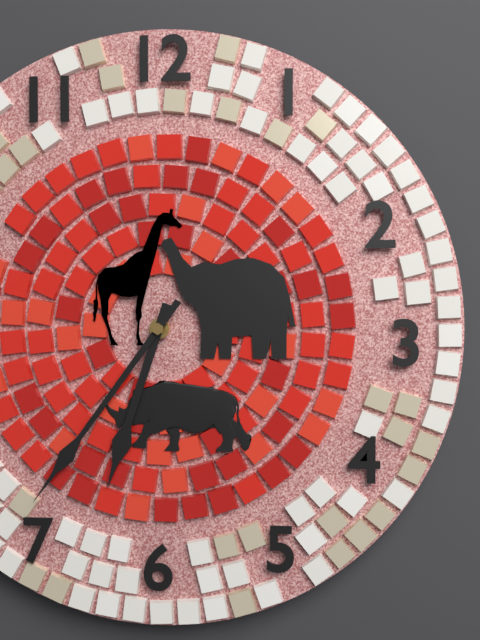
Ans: 6:36
